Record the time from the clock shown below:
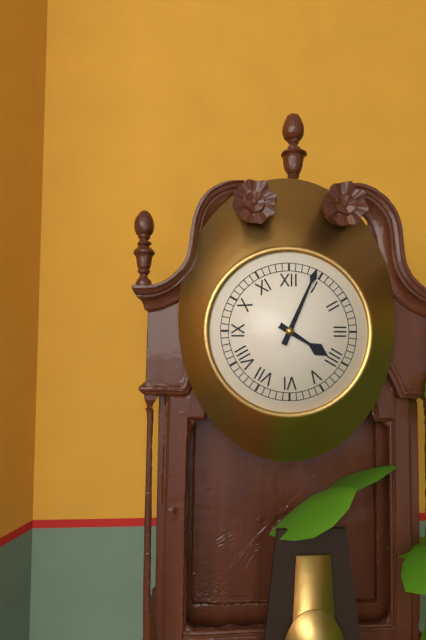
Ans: 4:04
